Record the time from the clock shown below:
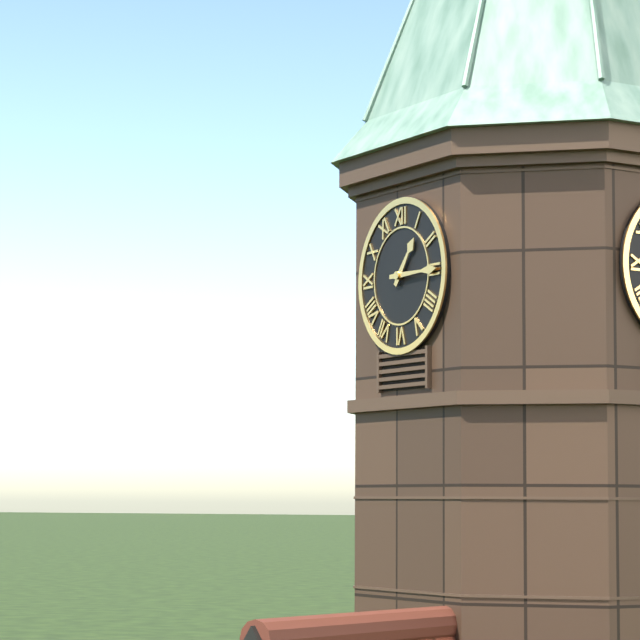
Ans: 1:15
